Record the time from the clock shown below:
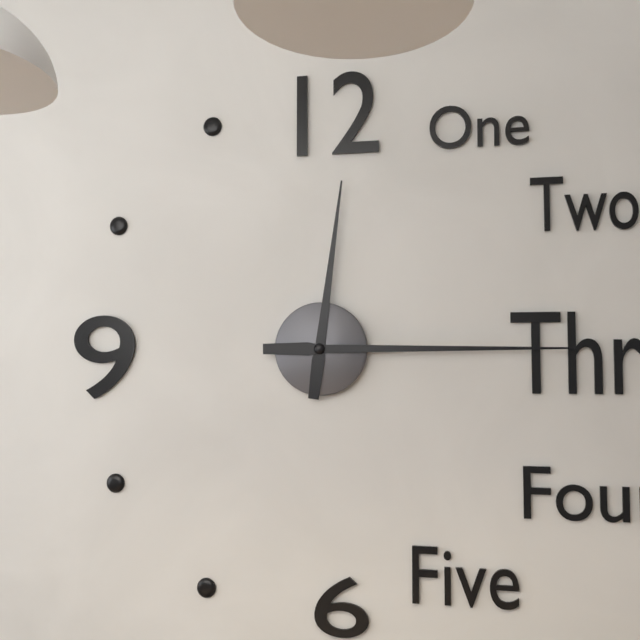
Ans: 12:15
